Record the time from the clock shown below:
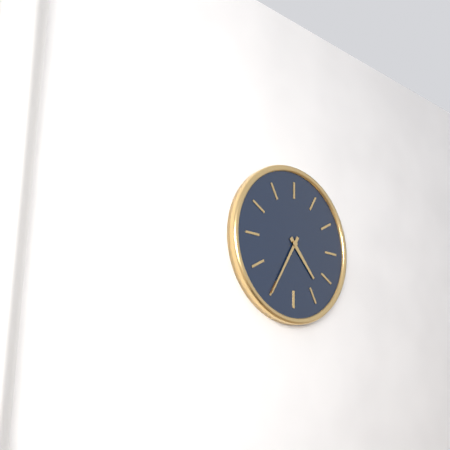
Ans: 4:35
